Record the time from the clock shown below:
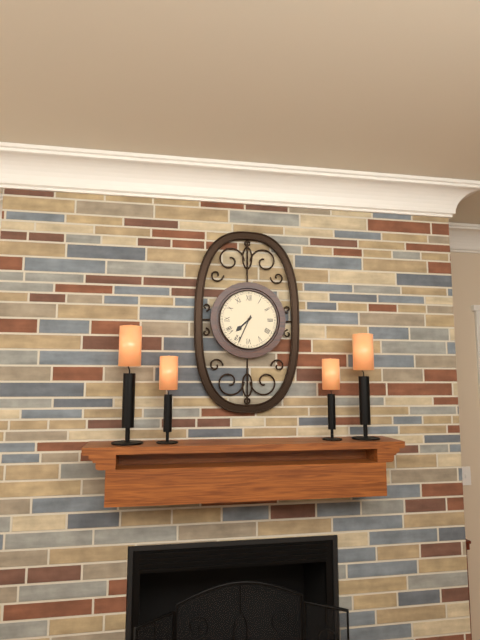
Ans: 7:34
